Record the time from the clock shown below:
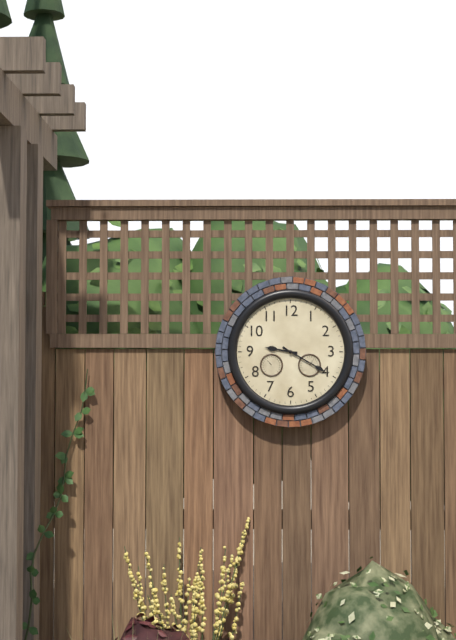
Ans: 9:20
